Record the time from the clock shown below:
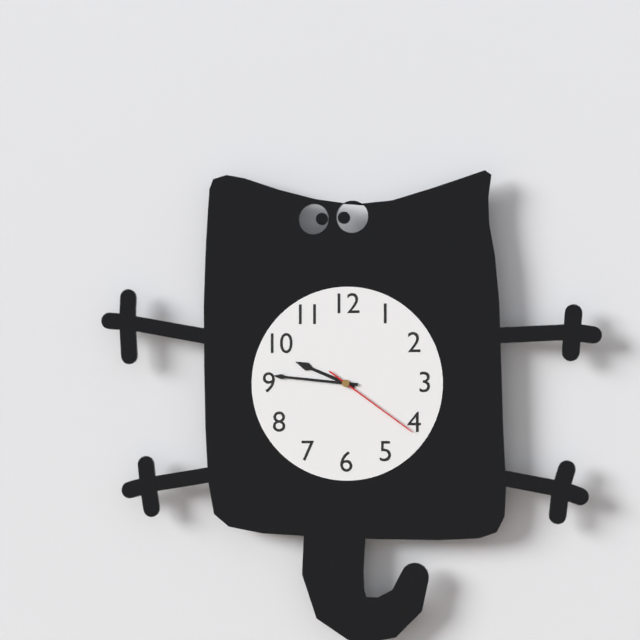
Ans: 9:46:21
